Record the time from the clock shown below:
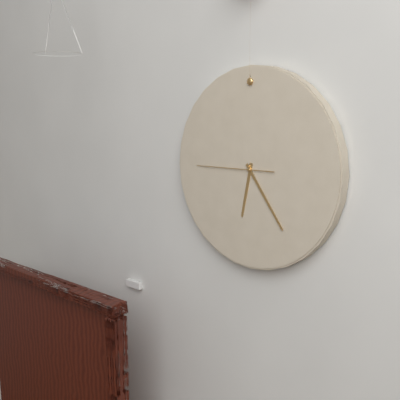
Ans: 6:24:45
